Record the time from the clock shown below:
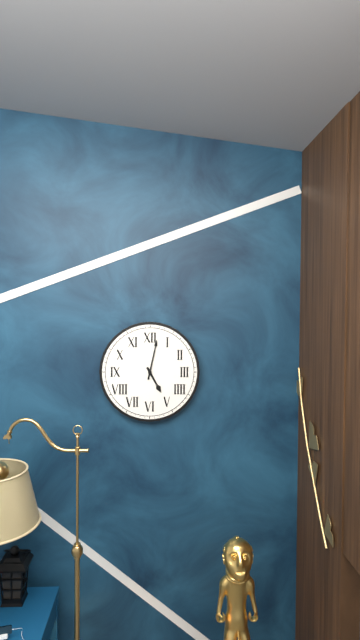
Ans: 5:02
